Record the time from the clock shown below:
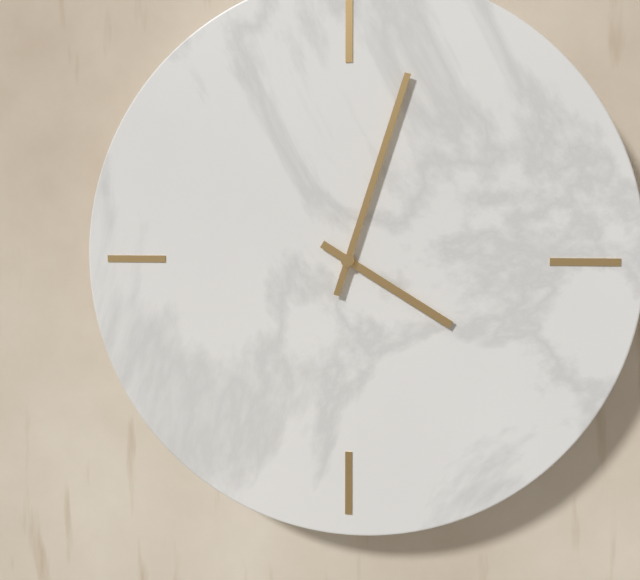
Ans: 4:03
